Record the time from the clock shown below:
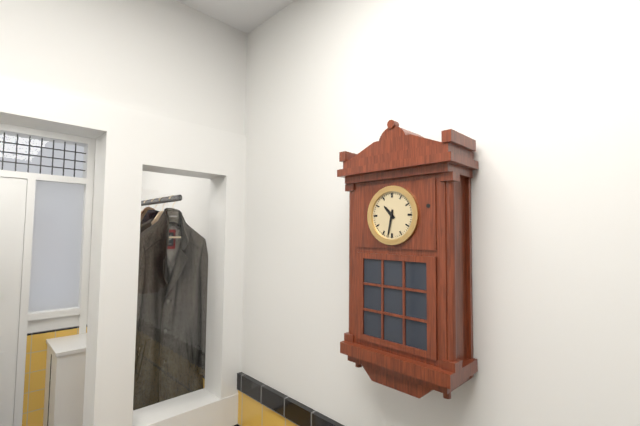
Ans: 10:32
